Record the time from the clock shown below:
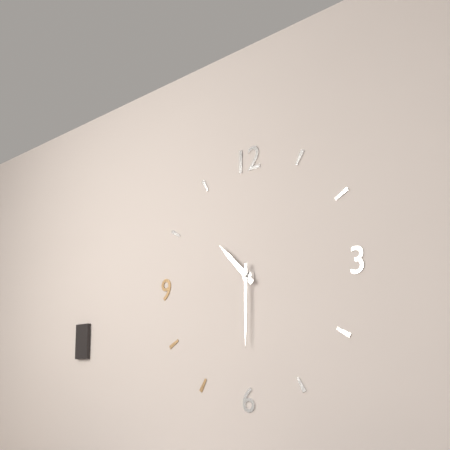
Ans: 10:30
